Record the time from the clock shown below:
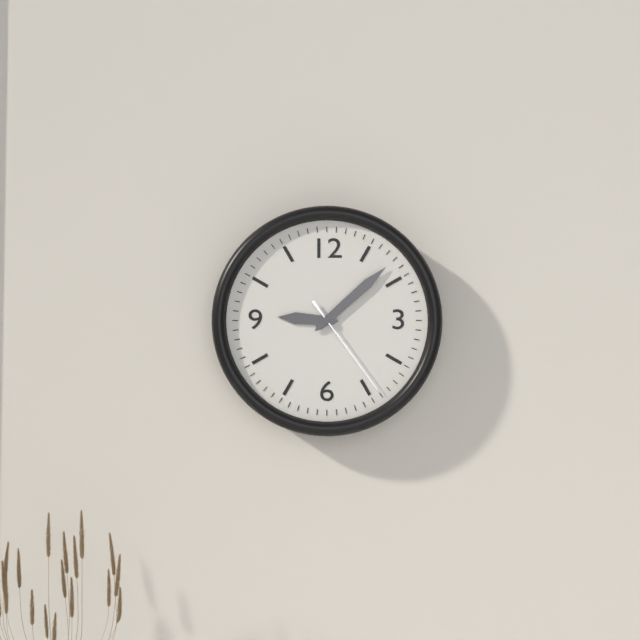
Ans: 9:08:24
